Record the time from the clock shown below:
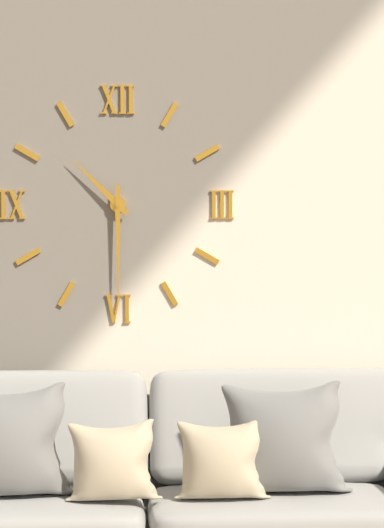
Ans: 10:30
